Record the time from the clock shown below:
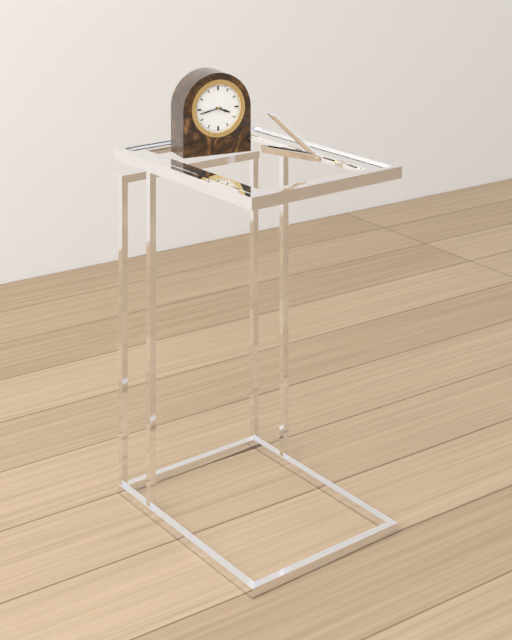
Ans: 3:43
